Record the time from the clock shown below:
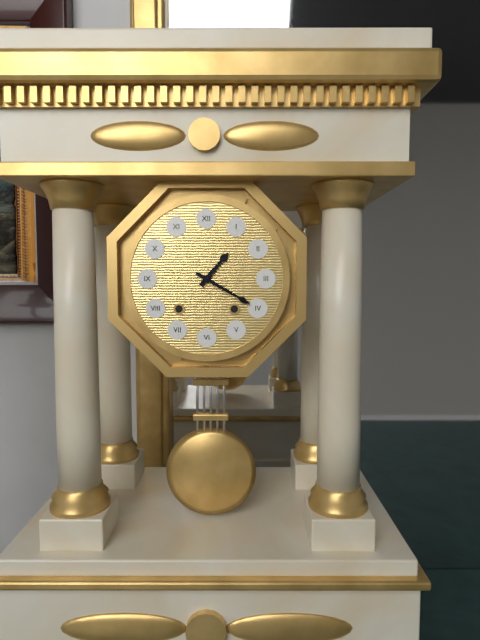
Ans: 1:20
